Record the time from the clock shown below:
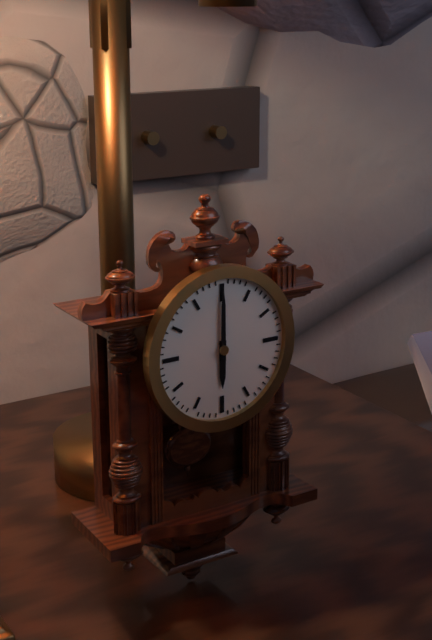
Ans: 6:00
